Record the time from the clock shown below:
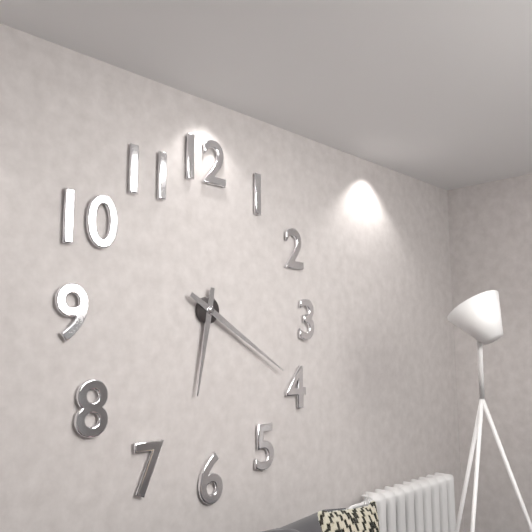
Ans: 6:20
